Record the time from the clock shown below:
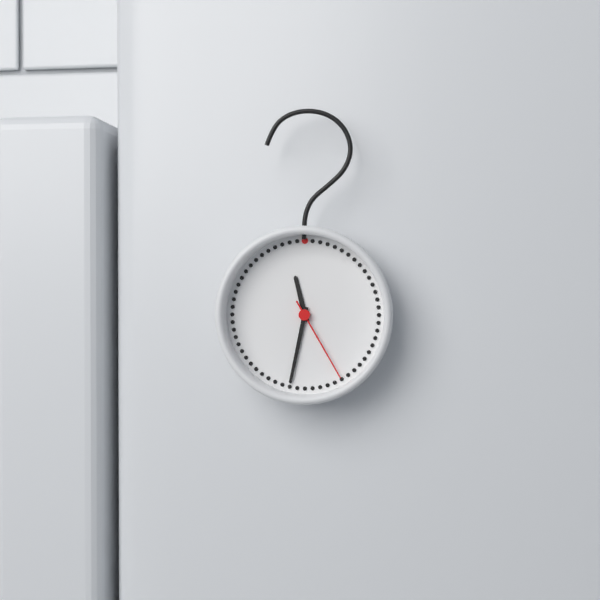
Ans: 11:32:25
